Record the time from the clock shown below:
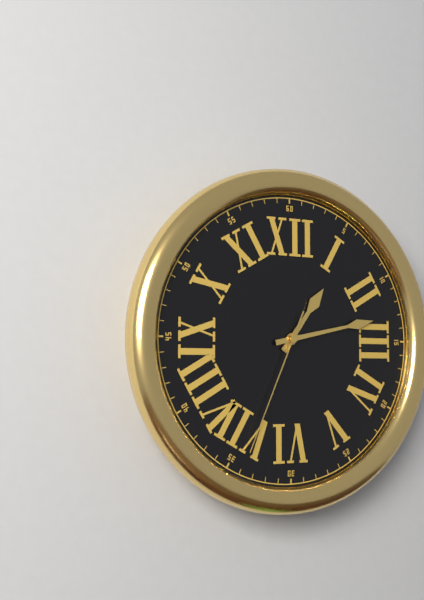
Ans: 1:13:34
